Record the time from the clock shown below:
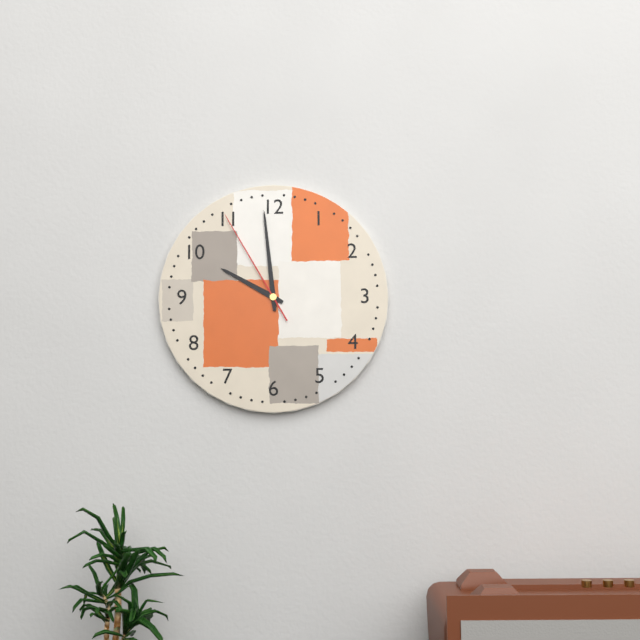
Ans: 9:59:55
